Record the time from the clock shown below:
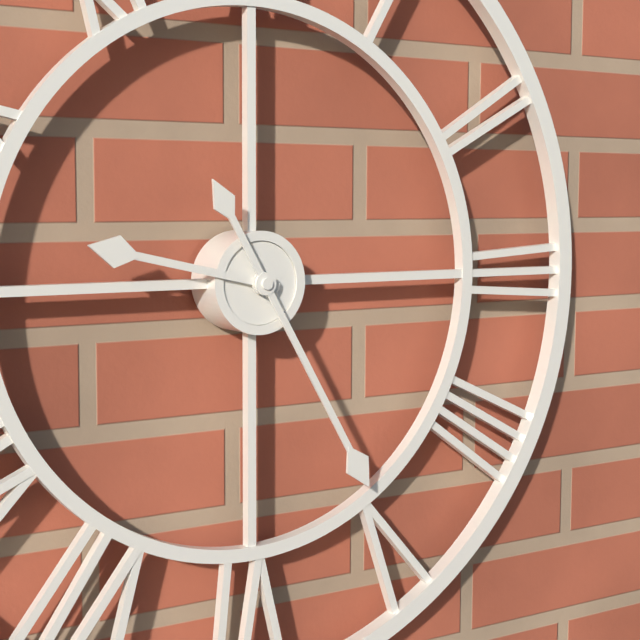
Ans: 9:25
